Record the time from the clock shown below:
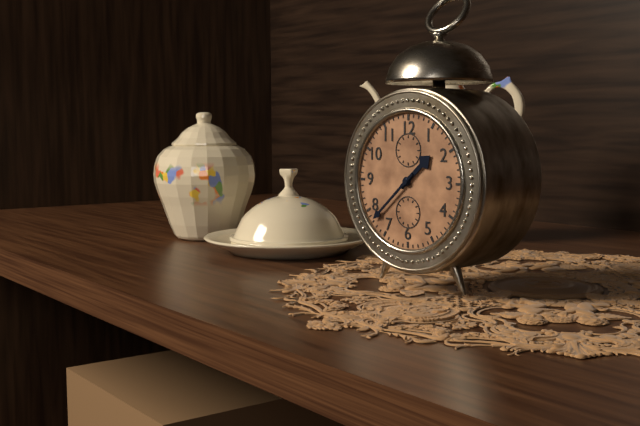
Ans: 1:38
